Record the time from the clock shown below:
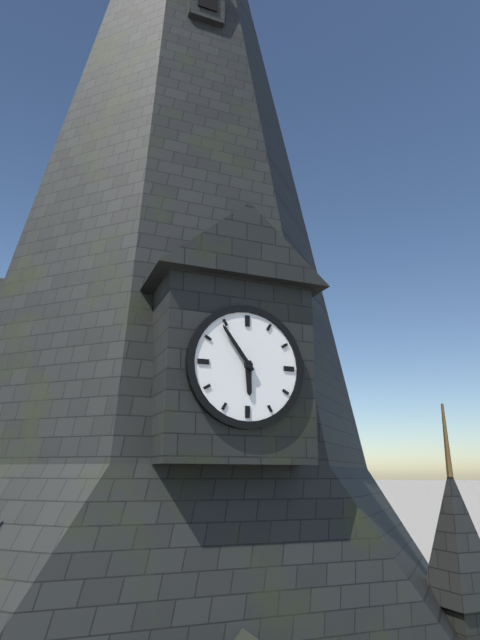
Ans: 5:54
